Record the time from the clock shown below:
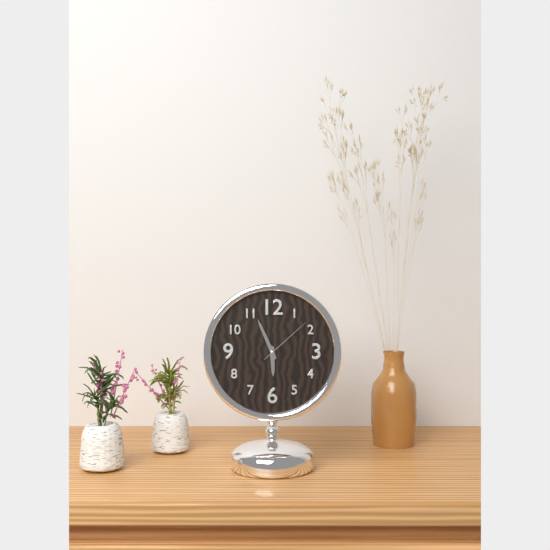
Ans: 5:56:08
